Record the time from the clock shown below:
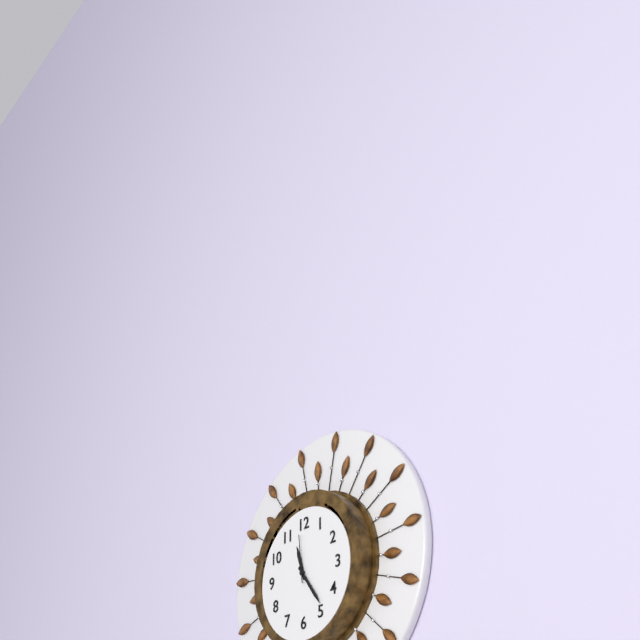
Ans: 11:24
